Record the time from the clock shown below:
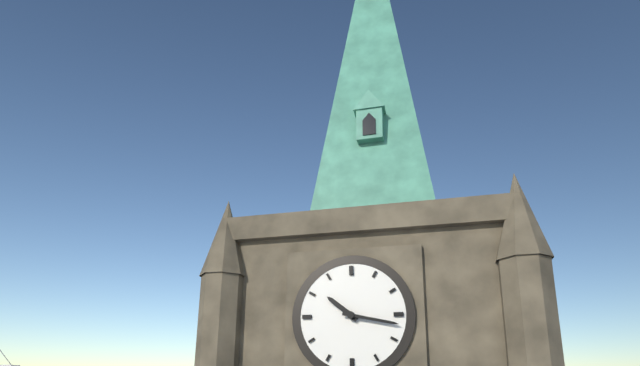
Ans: 10:17
